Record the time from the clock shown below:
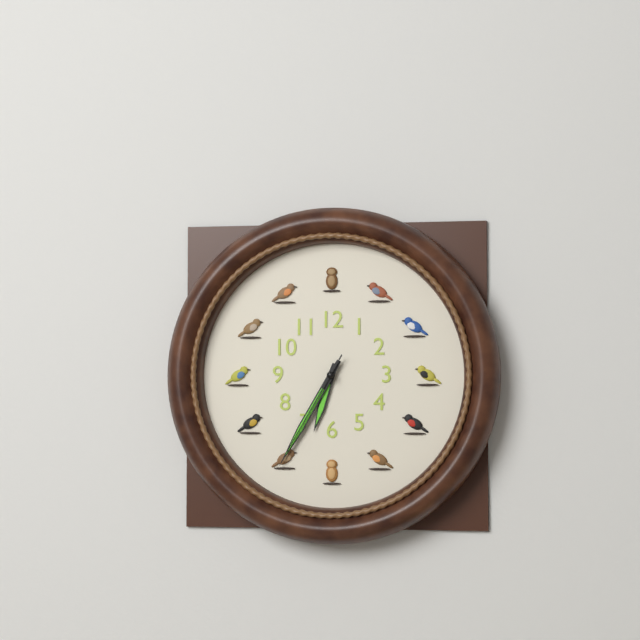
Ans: 6:35:35
